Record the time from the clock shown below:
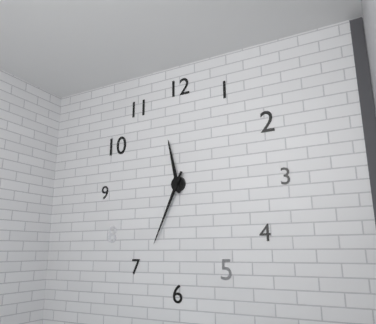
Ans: 11:34
